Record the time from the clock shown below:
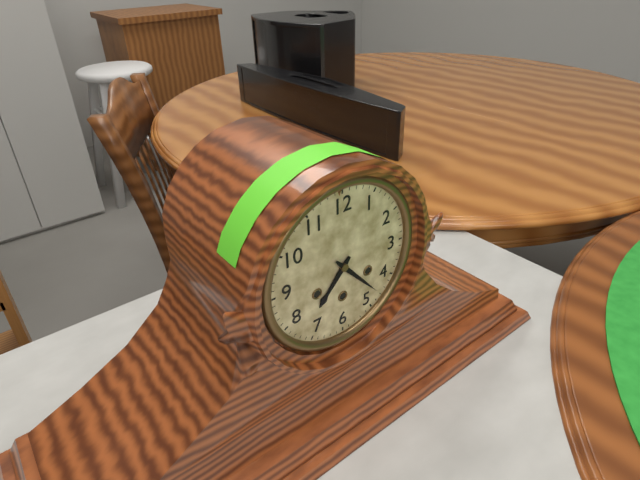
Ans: 7:23
